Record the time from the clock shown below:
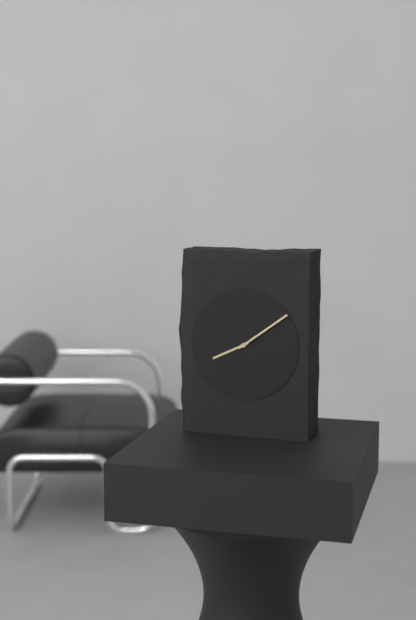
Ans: 8:09
